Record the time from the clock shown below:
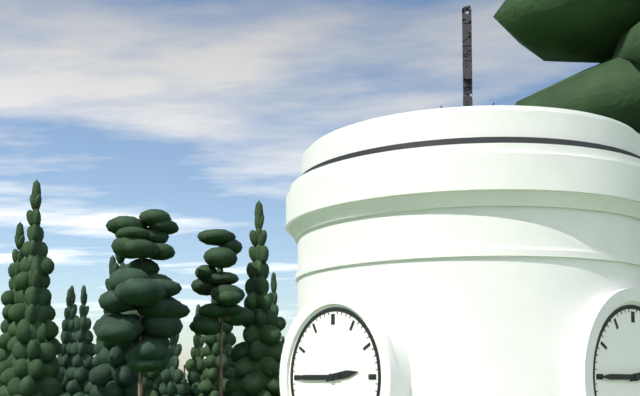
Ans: 2:45
